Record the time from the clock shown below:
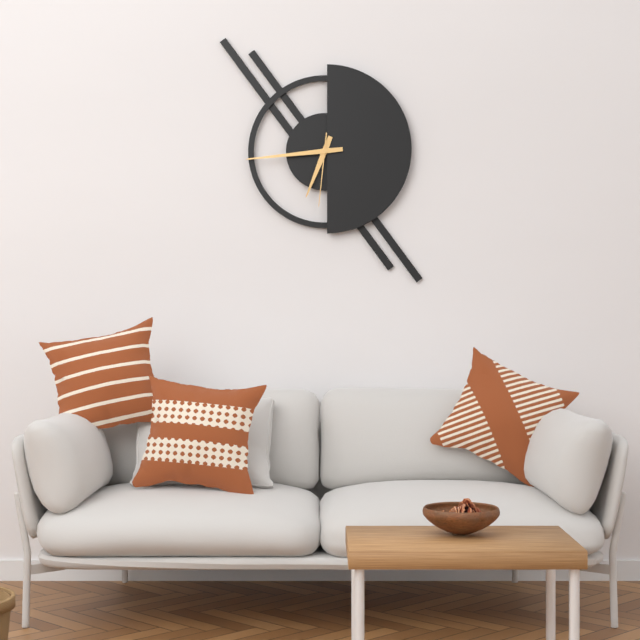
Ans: 6:44:31
